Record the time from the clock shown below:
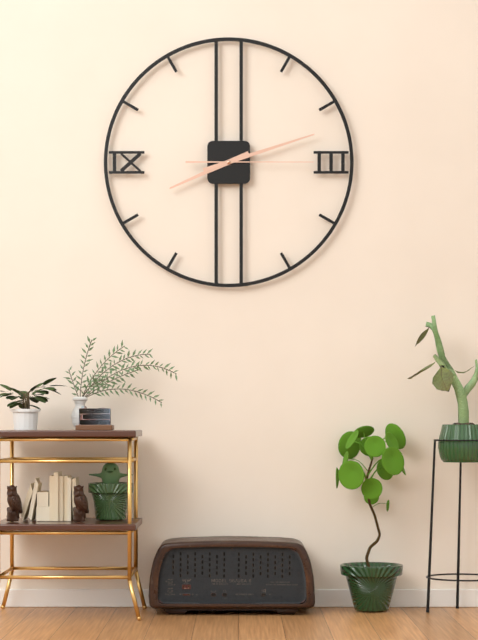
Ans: 8:12:15
